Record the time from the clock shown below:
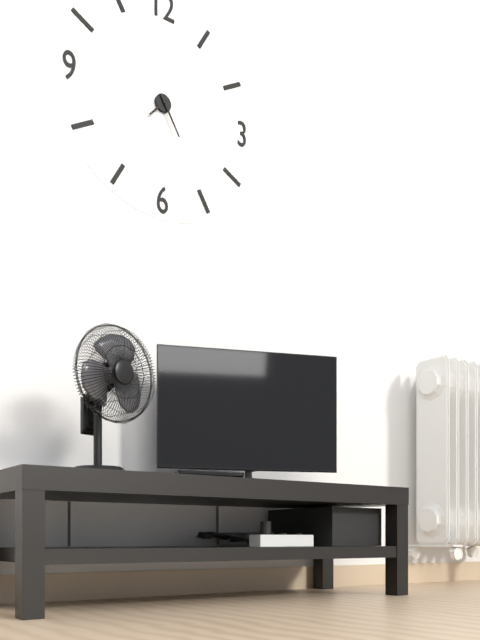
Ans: 7:25
